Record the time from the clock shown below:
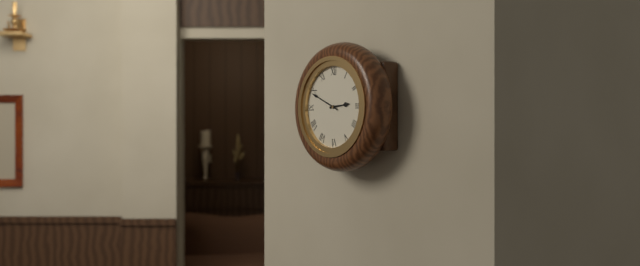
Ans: 2:49
